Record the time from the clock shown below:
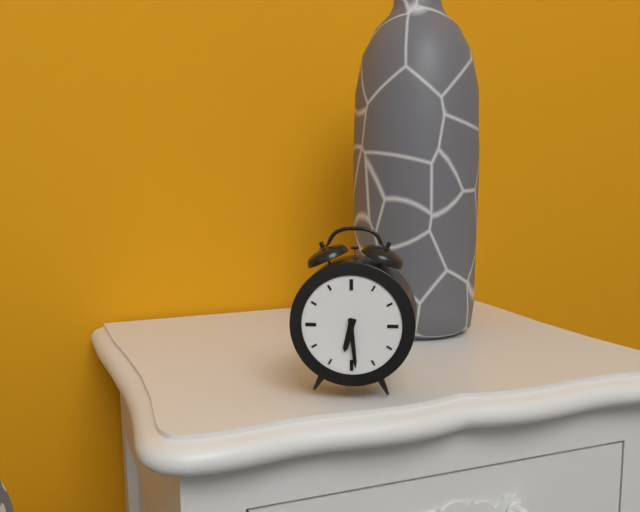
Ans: 6:29
